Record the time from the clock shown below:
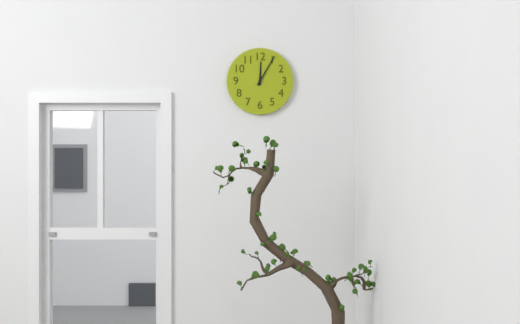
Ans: 12:05
